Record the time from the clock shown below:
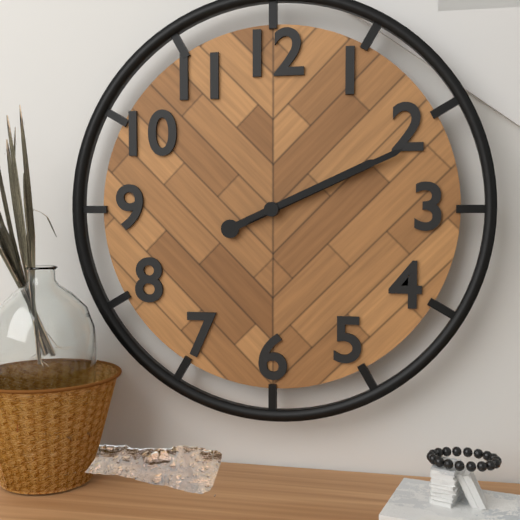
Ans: 2:11
